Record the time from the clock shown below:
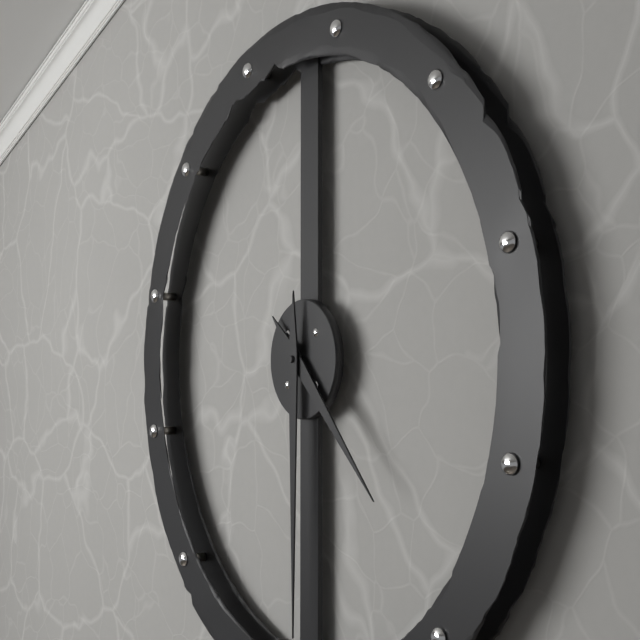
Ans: 4:30
